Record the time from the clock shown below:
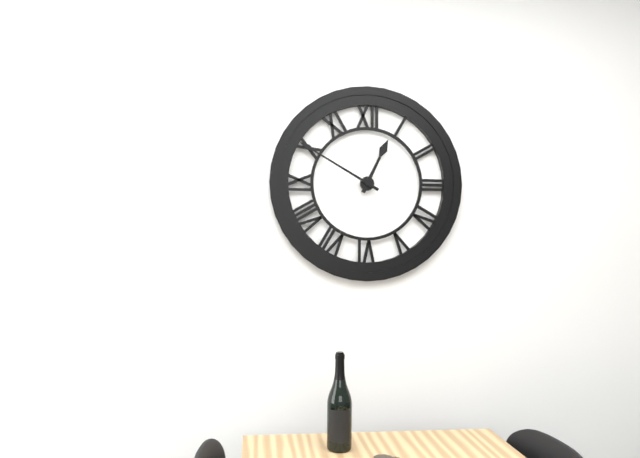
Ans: 12:50
